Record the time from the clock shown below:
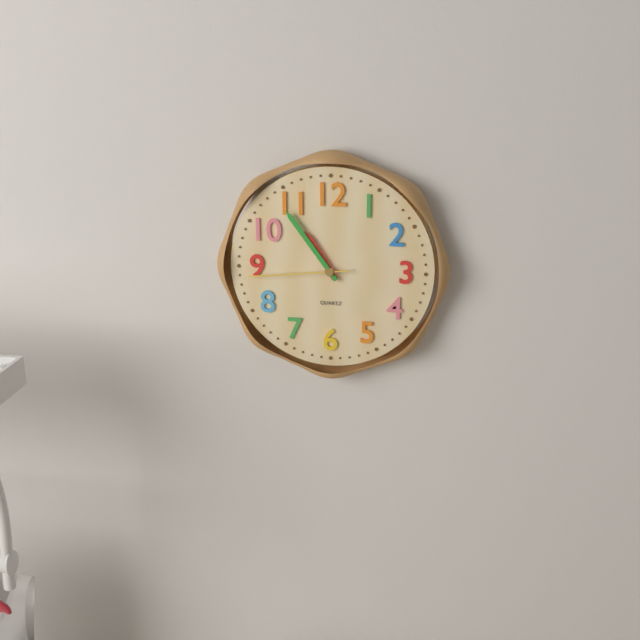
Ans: 10:54:44
